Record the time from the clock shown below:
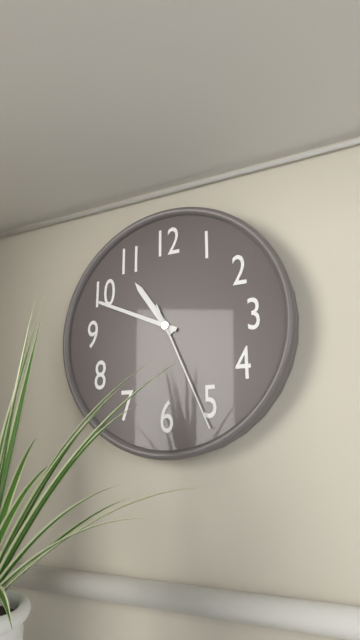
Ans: 10:49:26
